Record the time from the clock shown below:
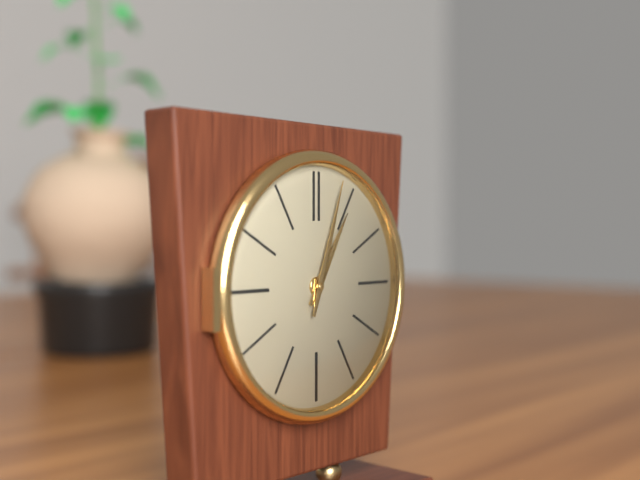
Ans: 1:03
